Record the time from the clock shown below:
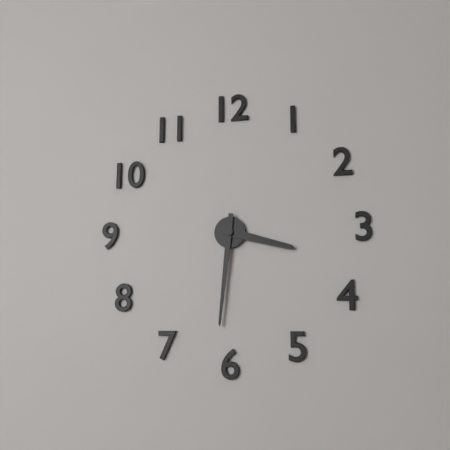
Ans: 3:31
